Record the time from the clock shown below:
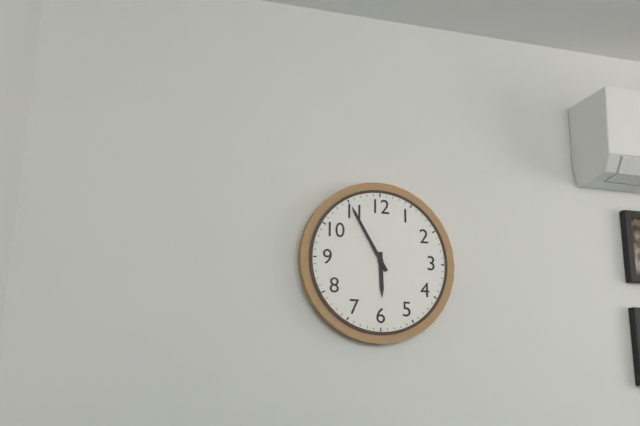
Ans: 5:55
